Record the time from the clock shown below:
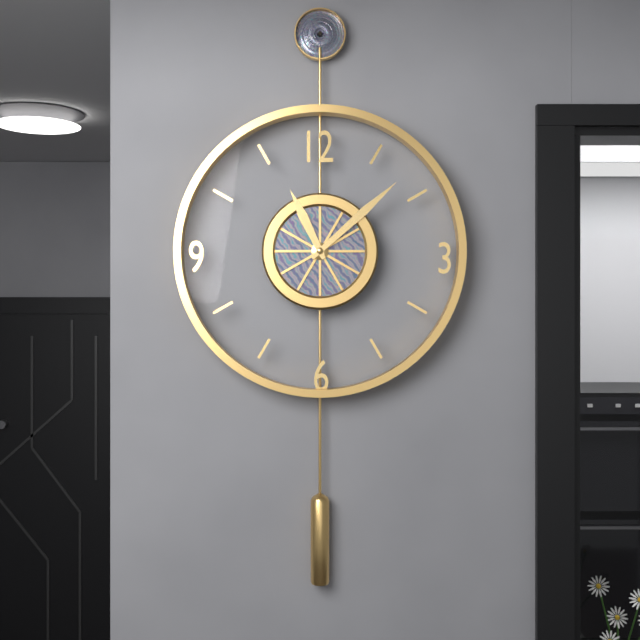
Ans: 11:08
